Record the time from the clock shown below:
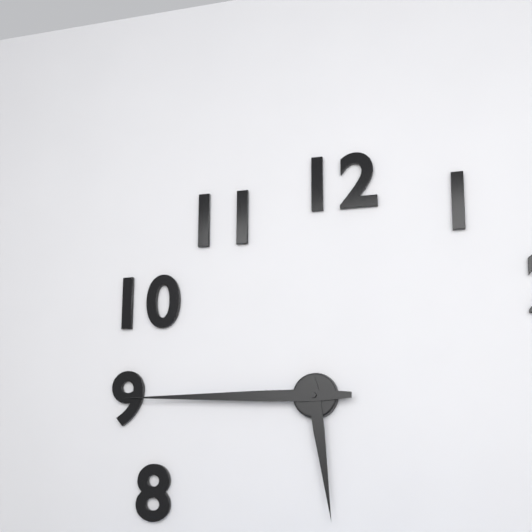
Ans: 5:45
